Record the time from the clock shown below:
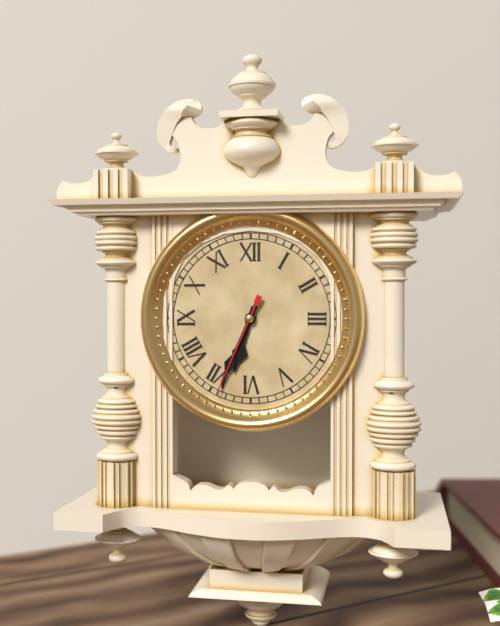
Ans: 6:34:34
